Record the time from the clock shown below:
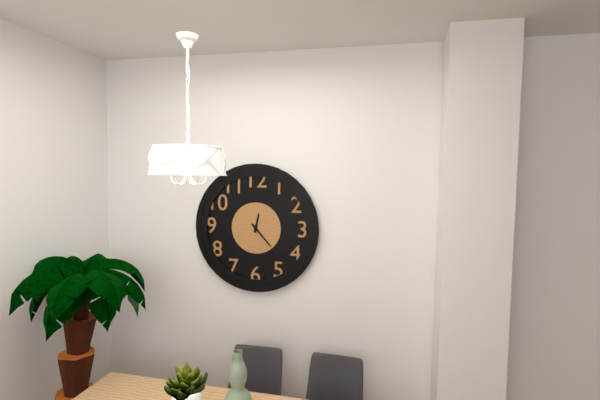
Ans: 12:23
